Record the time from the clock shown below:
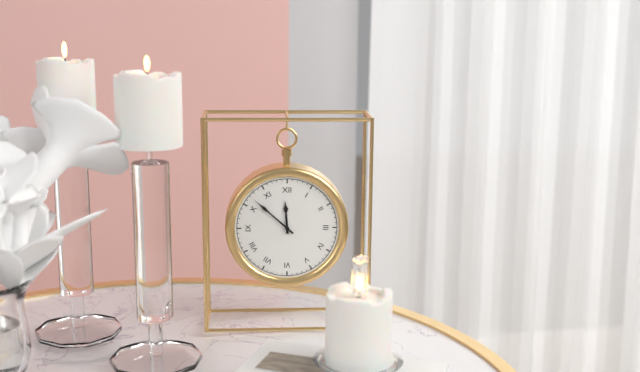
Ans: 11:52
